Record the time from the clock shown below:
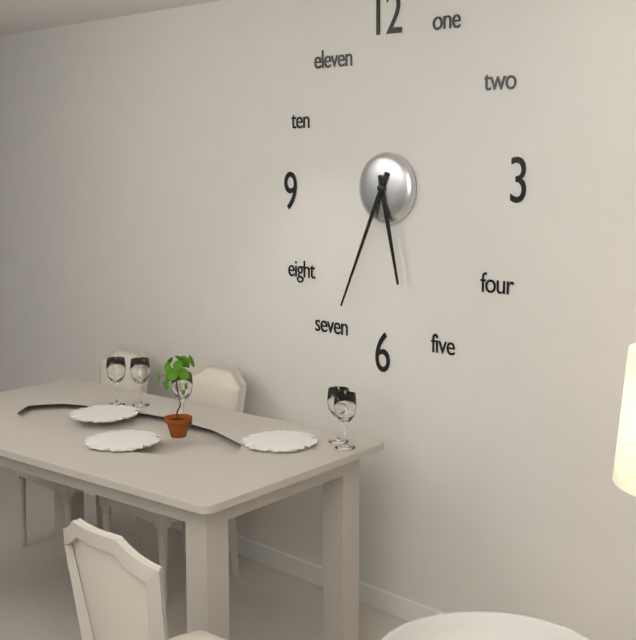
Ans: 5:34
